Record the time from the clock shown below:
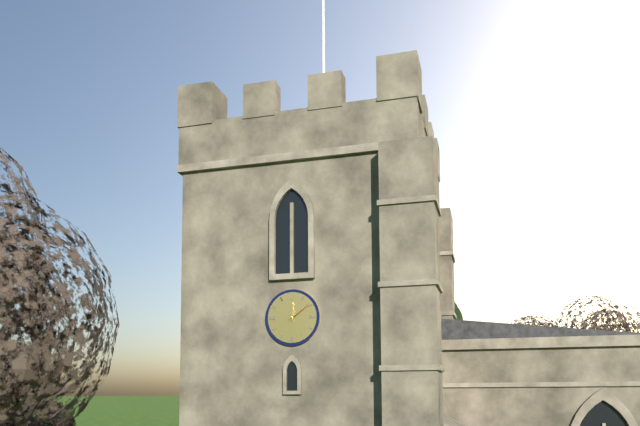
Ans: 12:09
